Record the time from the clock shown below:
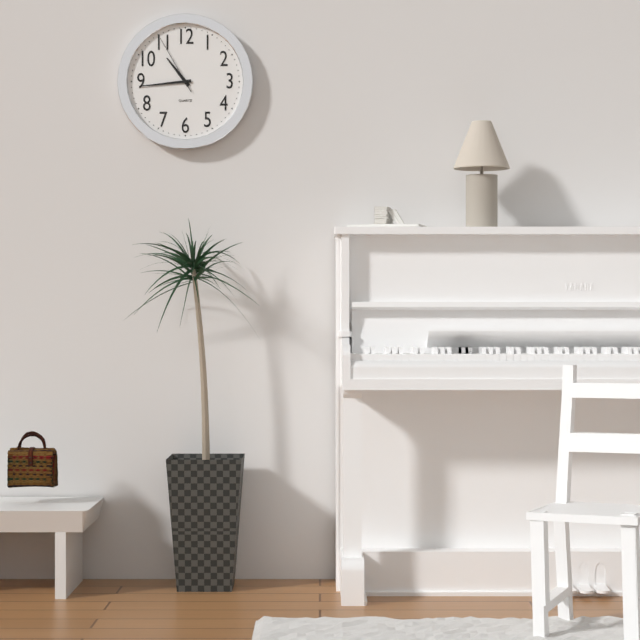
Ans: 10:44:55
